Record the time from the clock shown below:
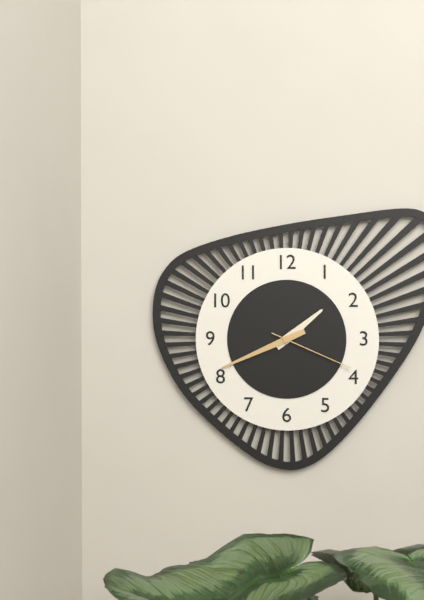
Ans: 1:41:19
